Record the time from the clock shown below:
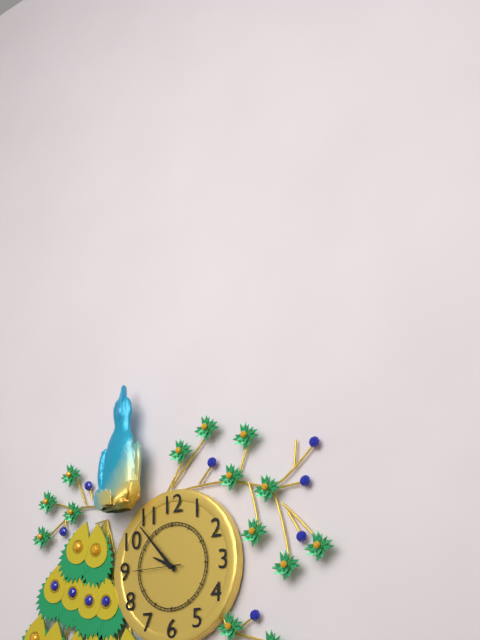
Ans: 9:53:45
